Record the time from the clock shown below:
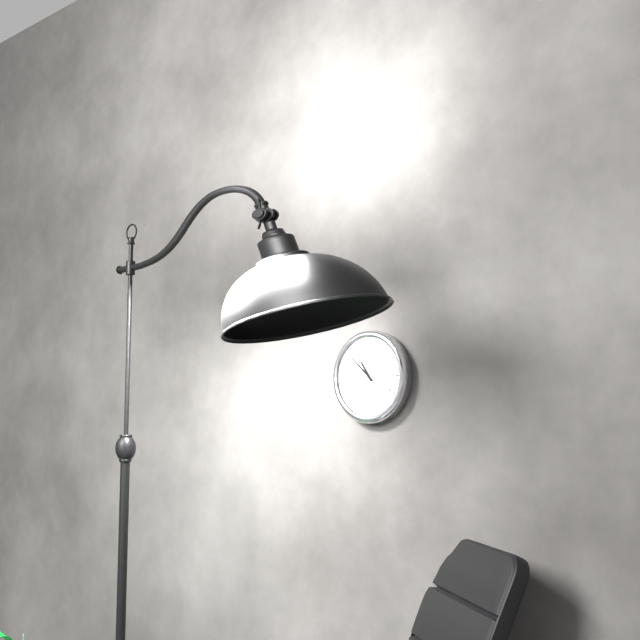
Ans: 10:52
